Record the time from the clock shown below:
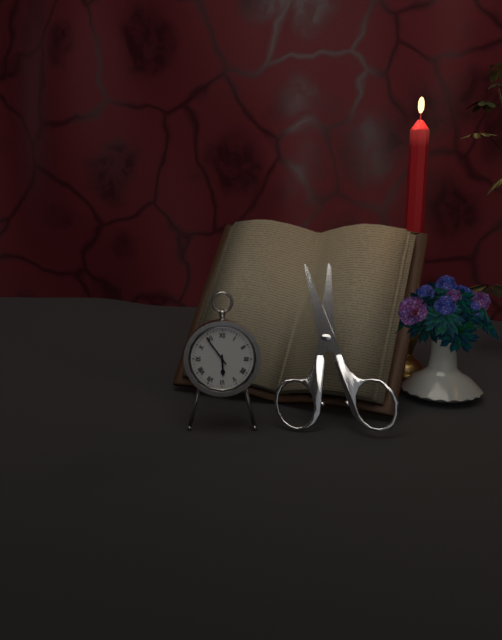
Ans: 5:54
